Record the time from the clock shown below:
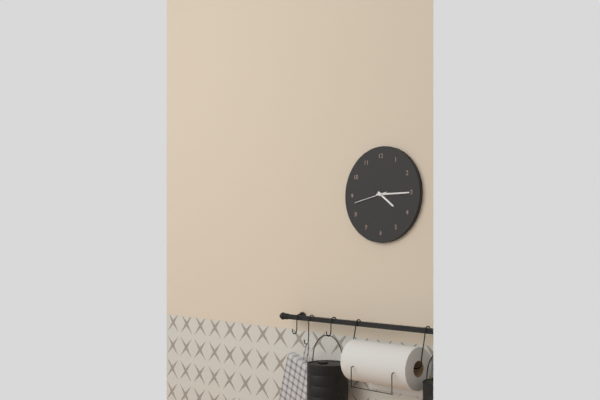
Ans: 4:15
